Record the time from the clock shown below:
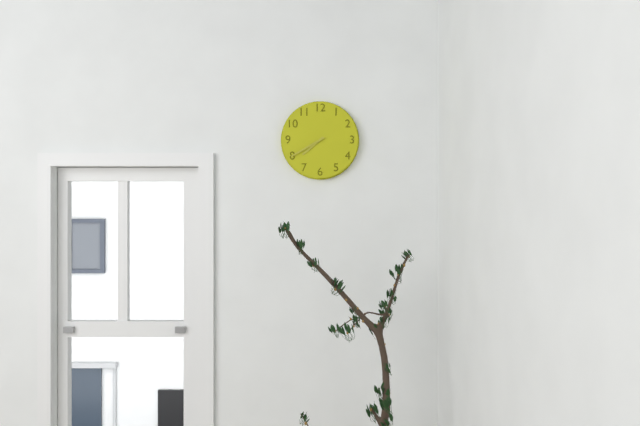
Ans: 7:40
